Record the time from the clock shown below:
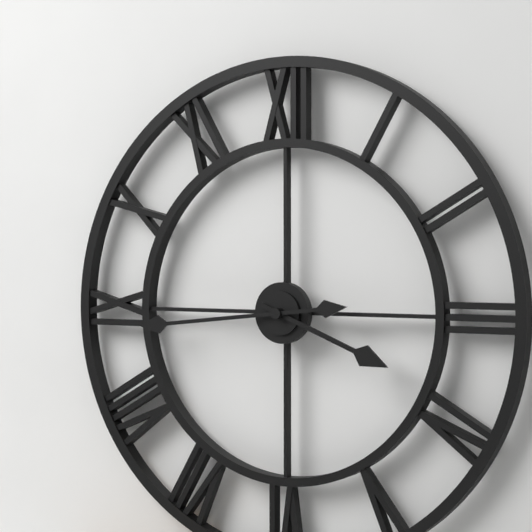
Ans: 3:44
